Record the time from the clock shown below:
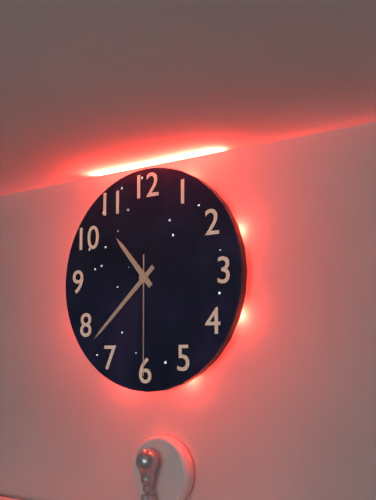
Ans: 10:38:30
